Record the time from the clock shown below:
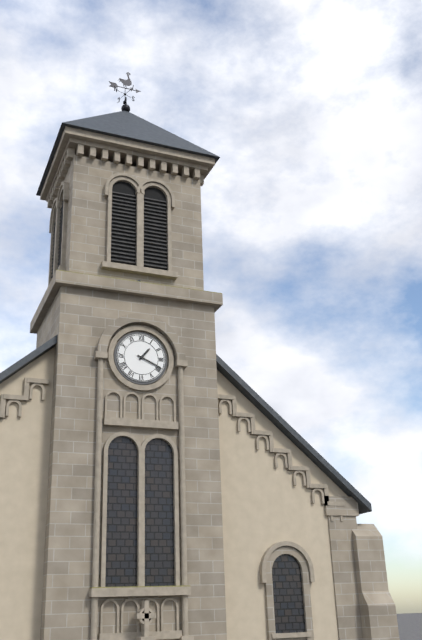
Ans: 1:19
